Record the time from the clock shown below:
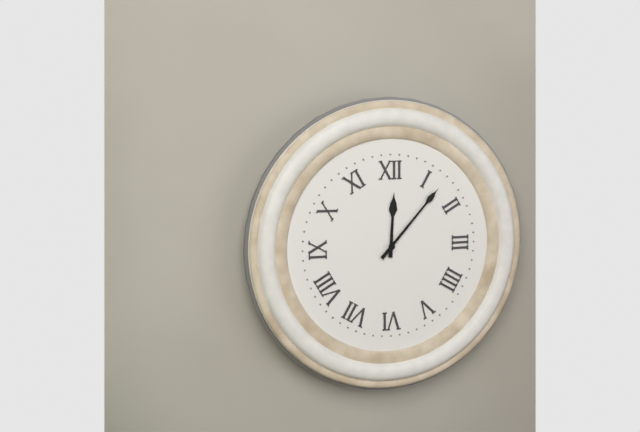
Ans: 12:07
